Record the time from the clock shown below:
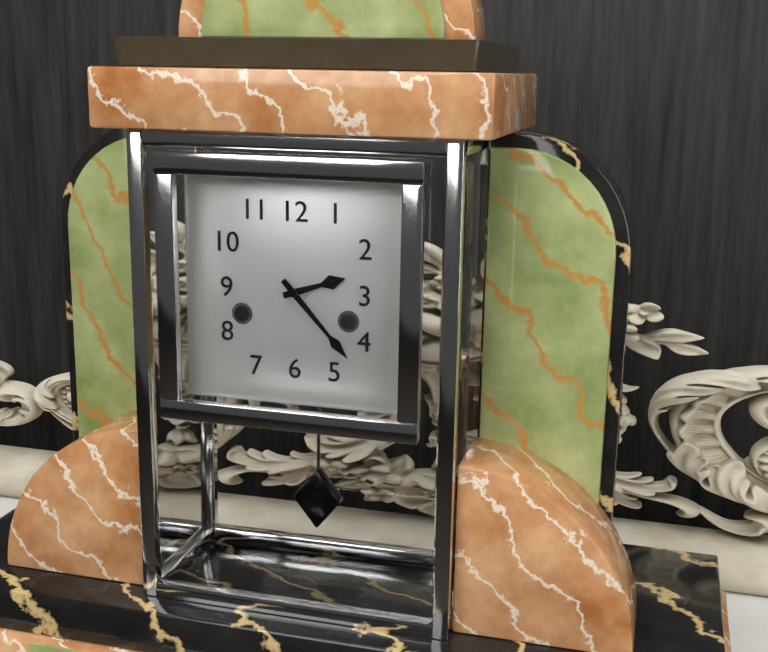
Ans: 2:23
